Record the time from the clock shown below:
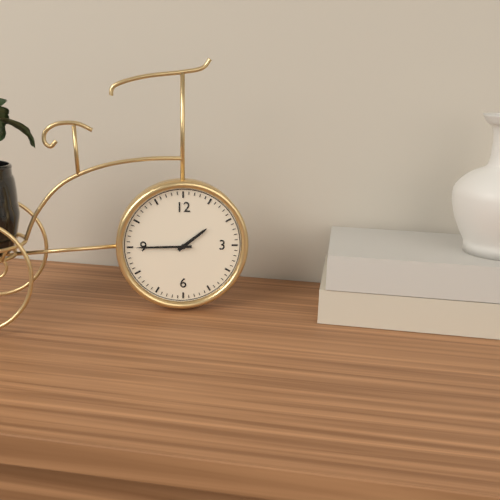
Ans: 1:45
